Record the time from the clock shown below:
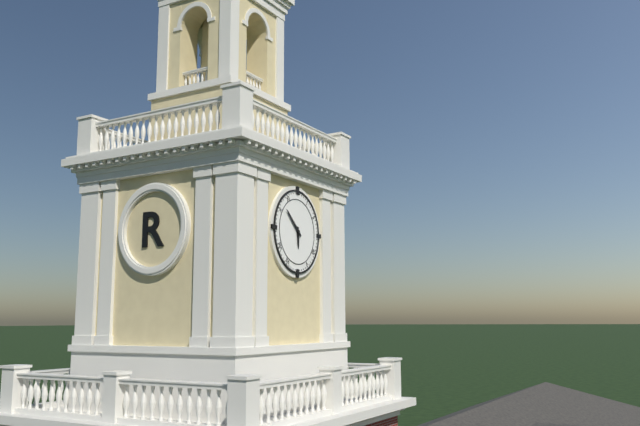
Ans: 5:52
